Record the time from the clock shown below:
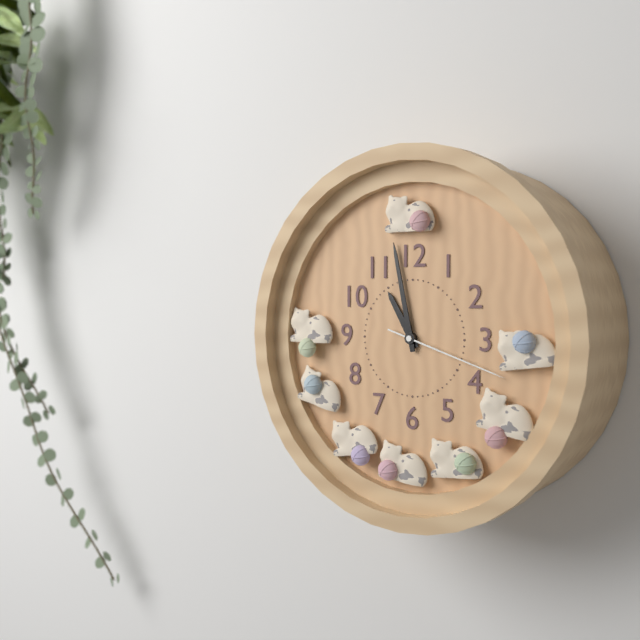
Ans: 10:58:18
